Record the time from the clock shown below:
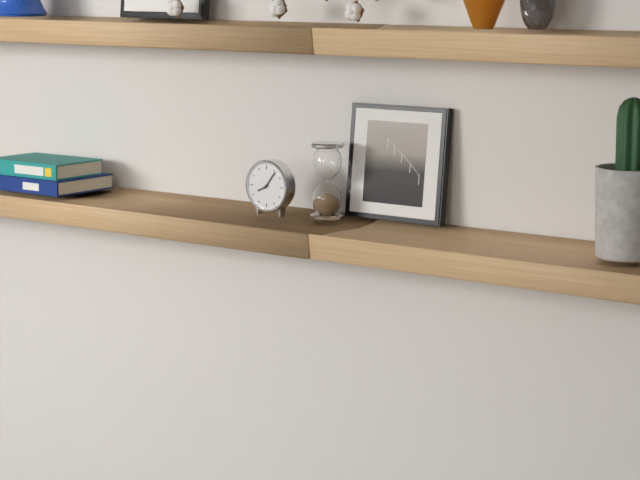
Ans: 8:06
